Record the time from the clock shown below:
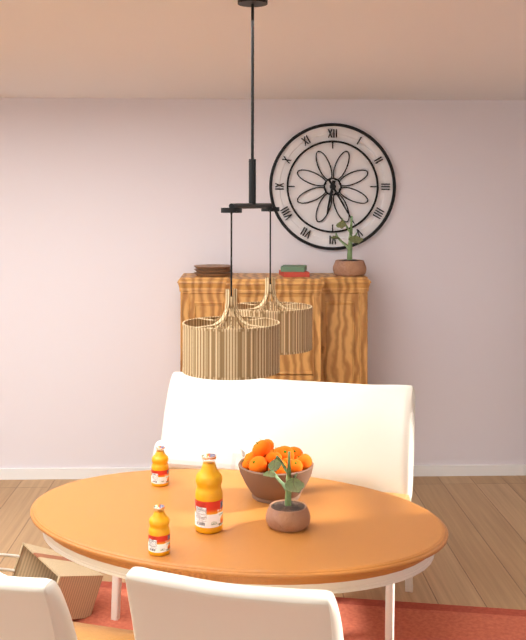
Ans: 6:25
